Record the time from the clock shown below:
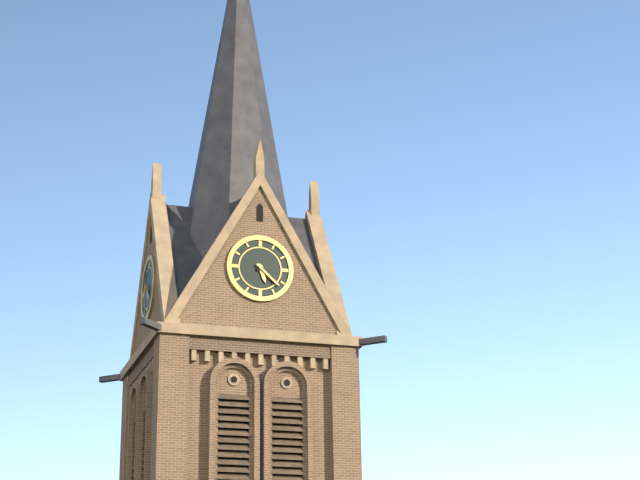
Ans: 5:22
